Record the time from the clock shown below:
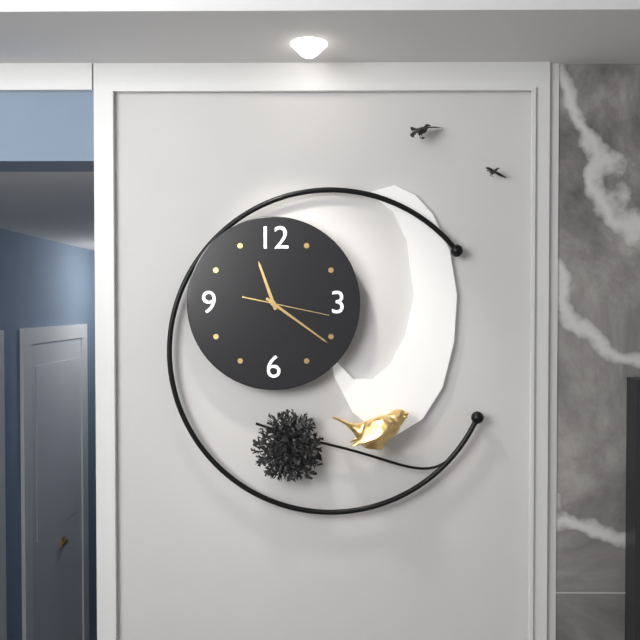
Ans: 11:21:17
